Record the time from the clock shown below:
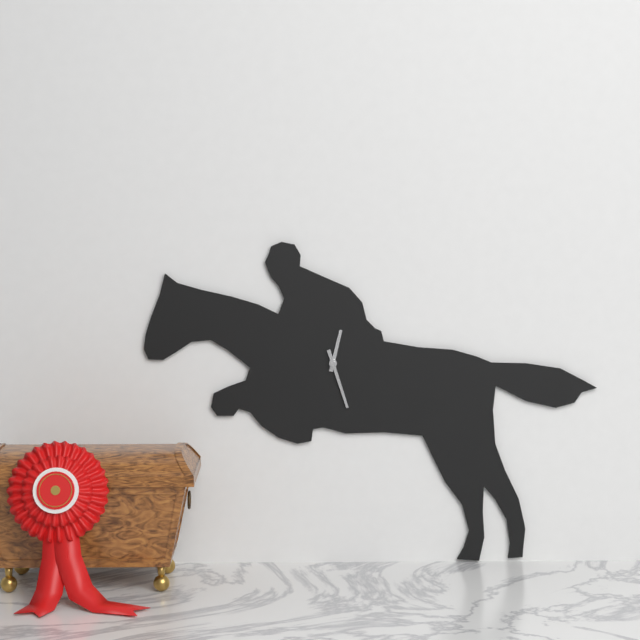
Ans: 12:27
